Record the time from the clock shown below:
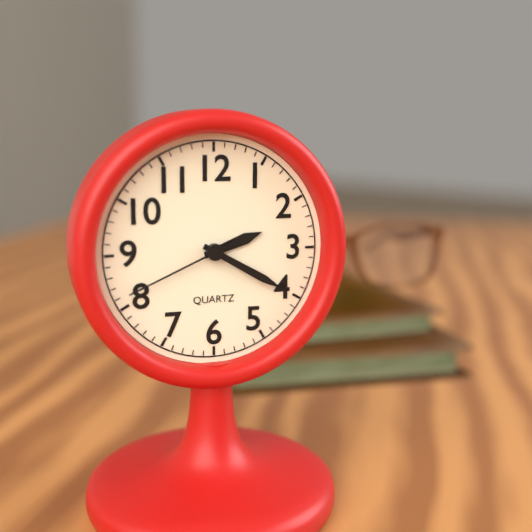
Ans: 2:20:41
